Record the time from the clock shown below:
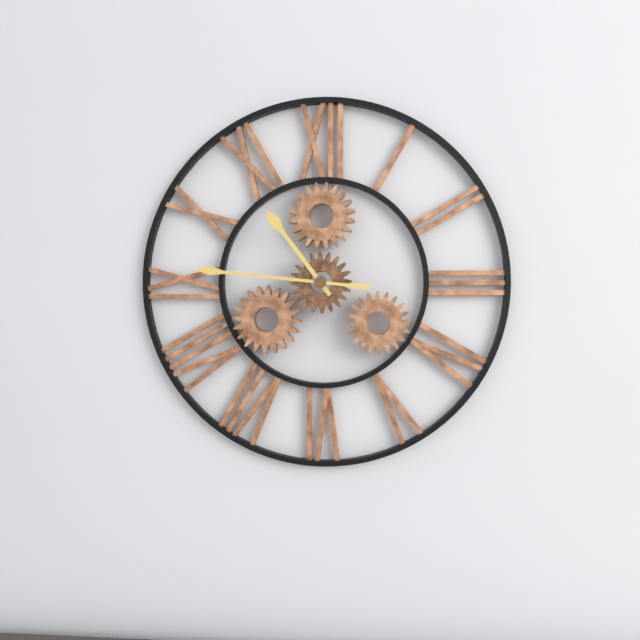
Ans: 10:46
